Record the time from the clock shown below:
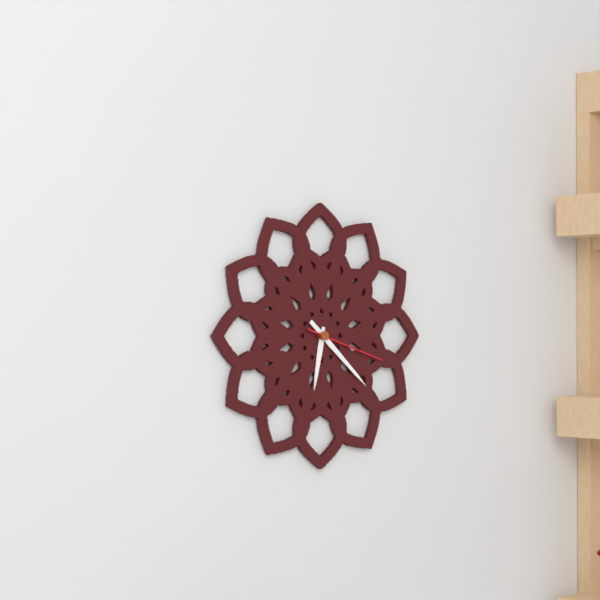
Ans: 6:22:18
